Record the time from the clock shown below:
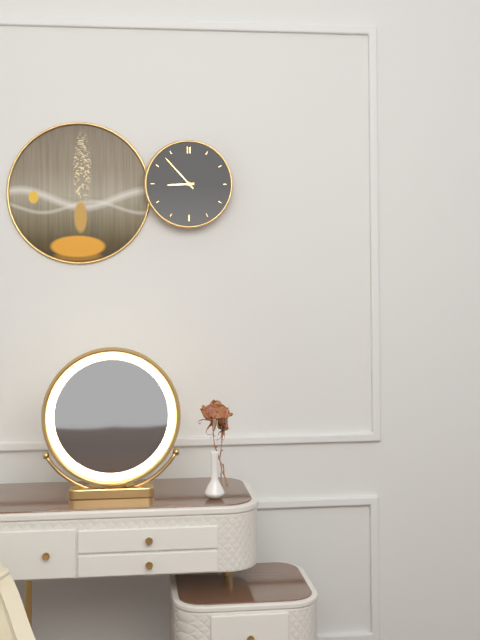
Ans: 8:53
